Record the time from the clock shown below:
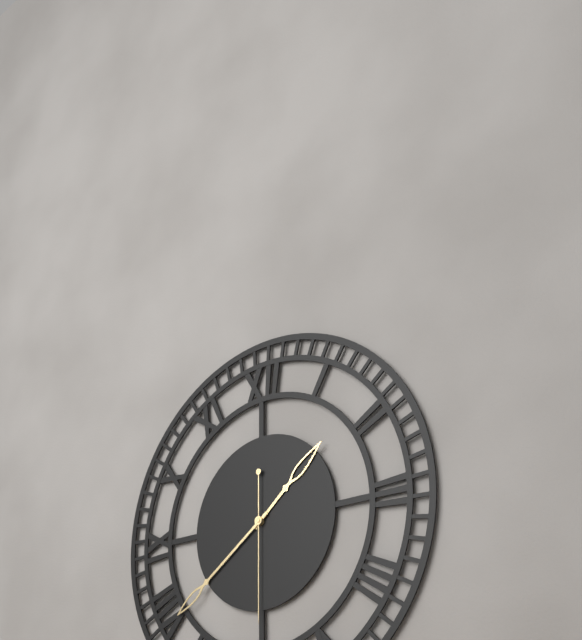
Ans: 1:39:30
